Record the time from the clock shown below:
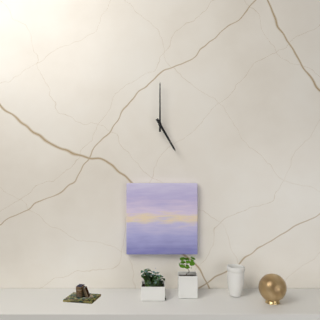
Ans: 5:00
